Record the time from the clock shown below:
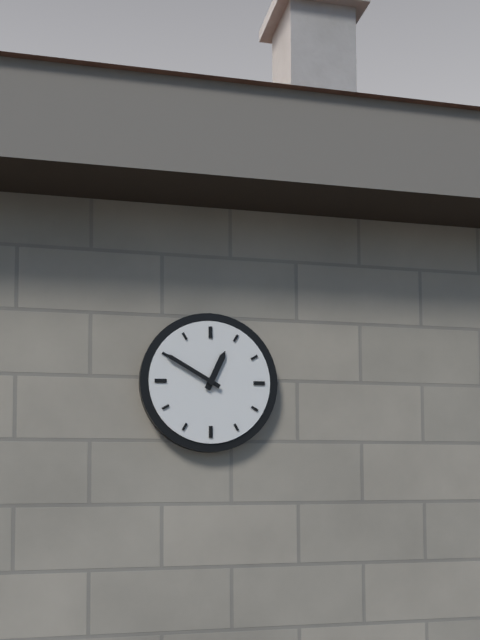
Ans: 12:50
